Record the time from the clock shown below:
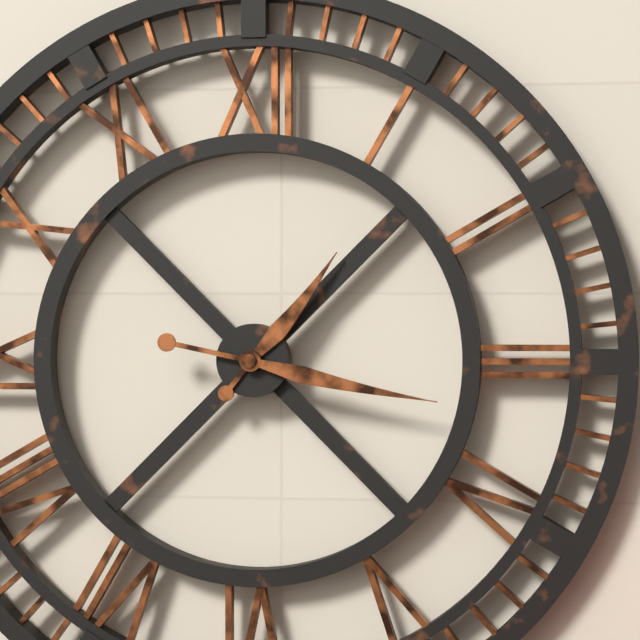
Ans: 1:17
